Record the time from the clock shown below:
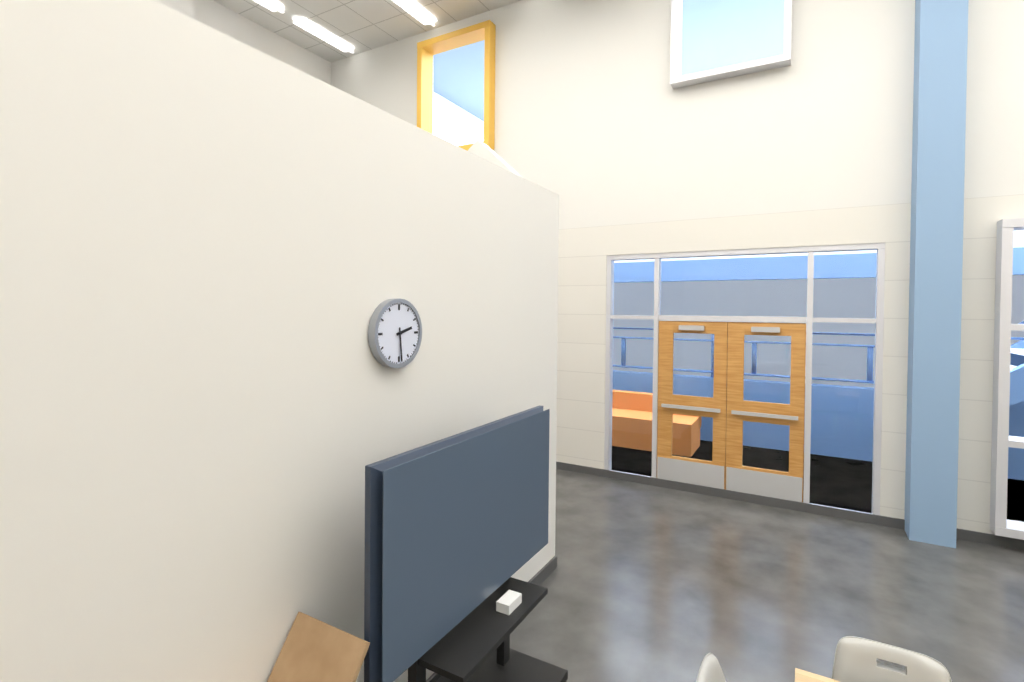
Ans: 2:29
